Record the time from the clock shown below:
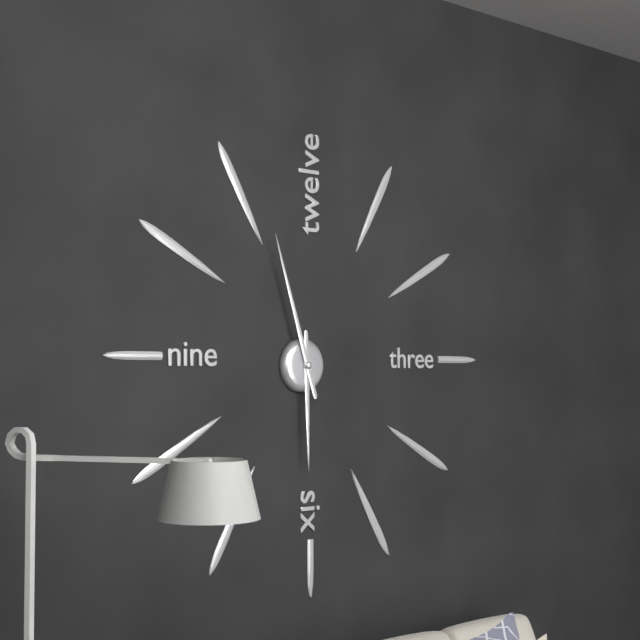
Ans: 5:57
